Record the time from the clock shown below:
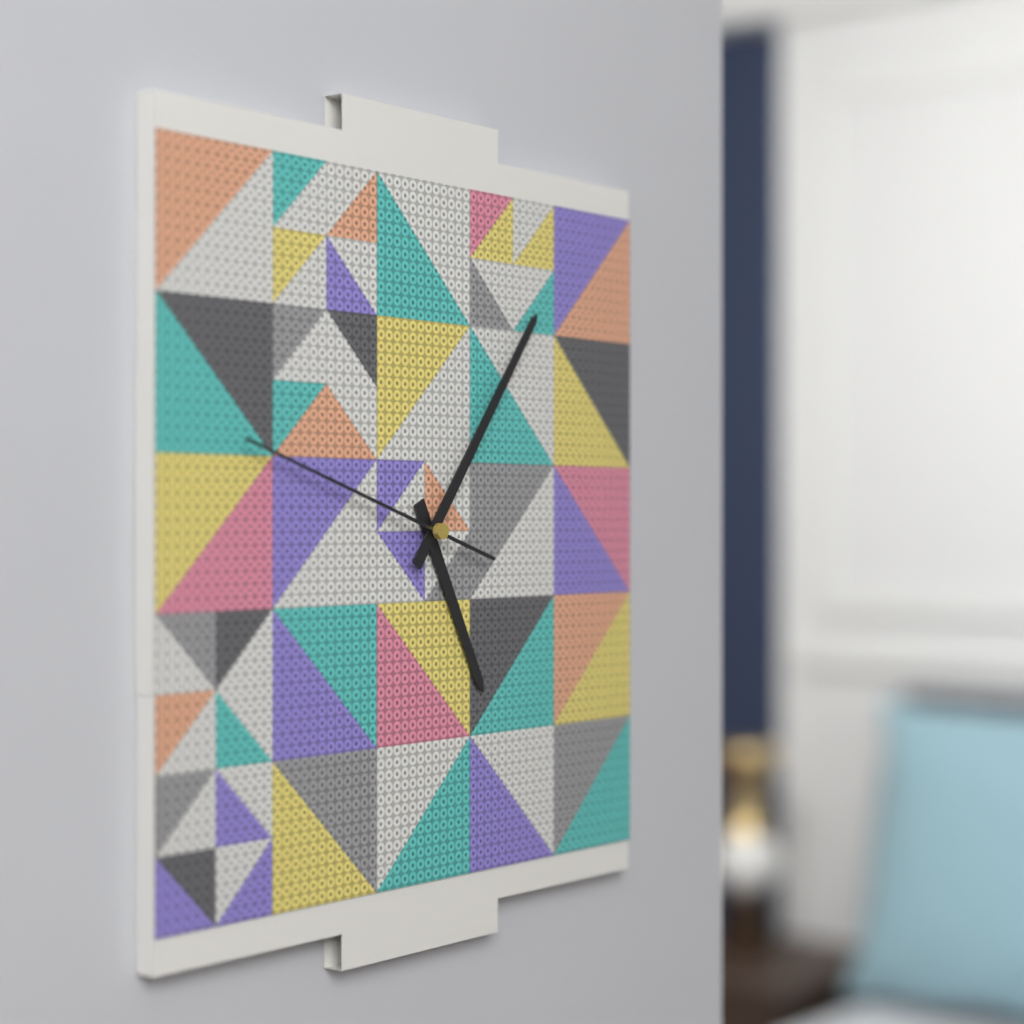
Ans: 5:06:48
